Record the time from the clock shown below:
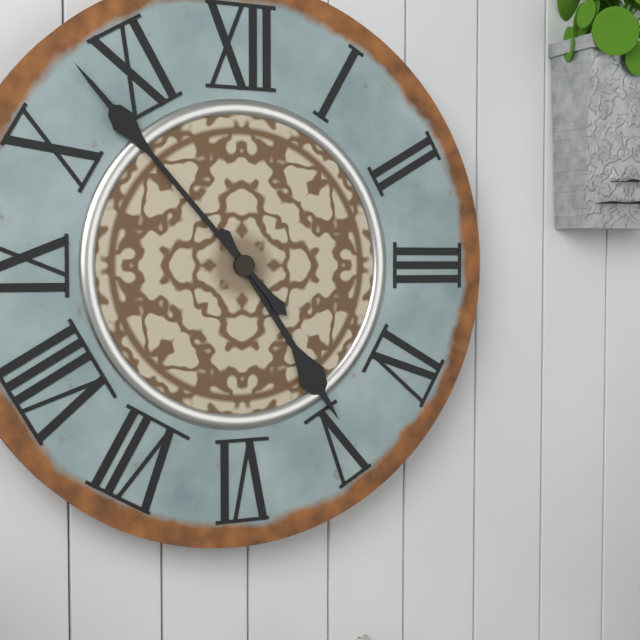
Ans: 4:53
